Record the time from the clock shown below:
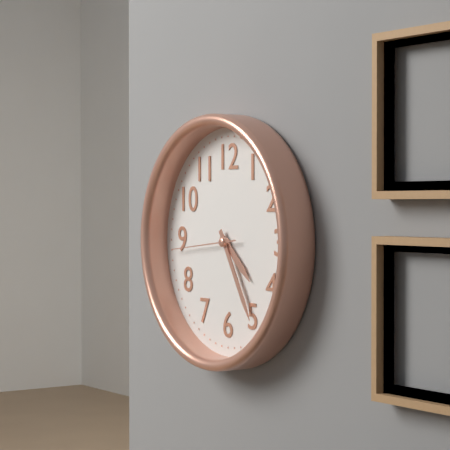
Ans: 4:25:44
